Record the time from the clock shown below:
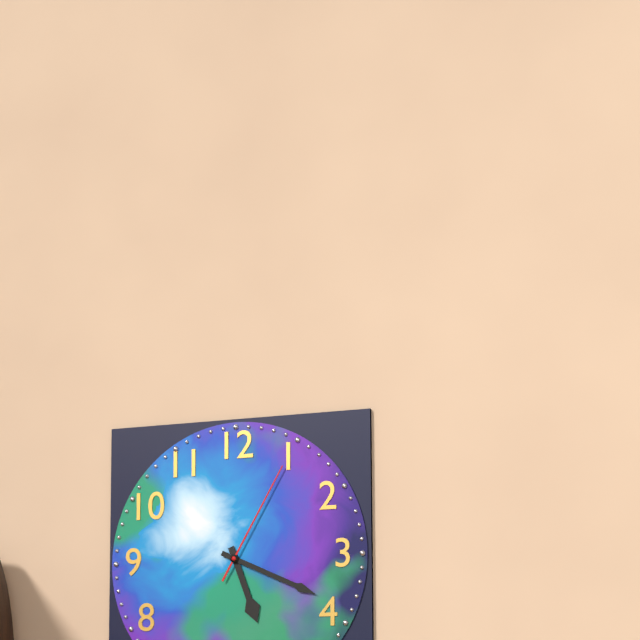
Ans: 5:19:05
